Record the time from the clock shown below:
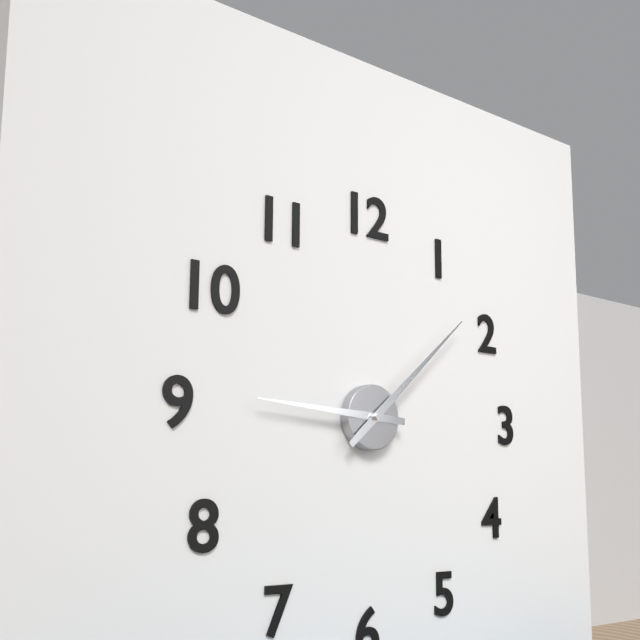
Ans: 9:08
